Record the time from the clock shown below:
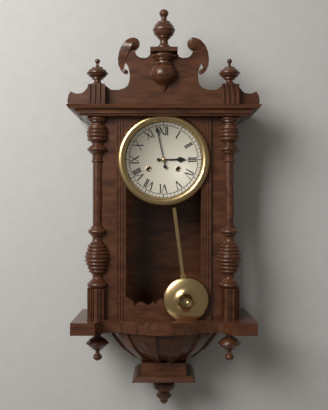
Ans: 2:58
